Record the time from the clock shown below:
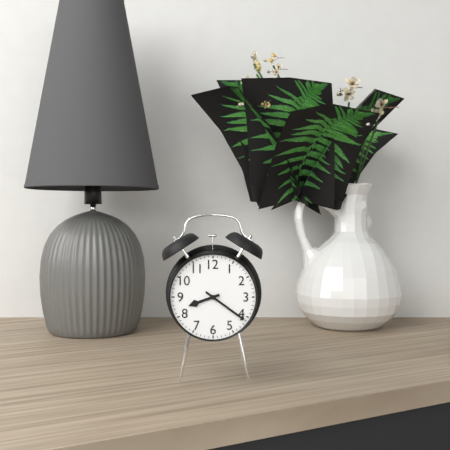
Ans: 8:21
